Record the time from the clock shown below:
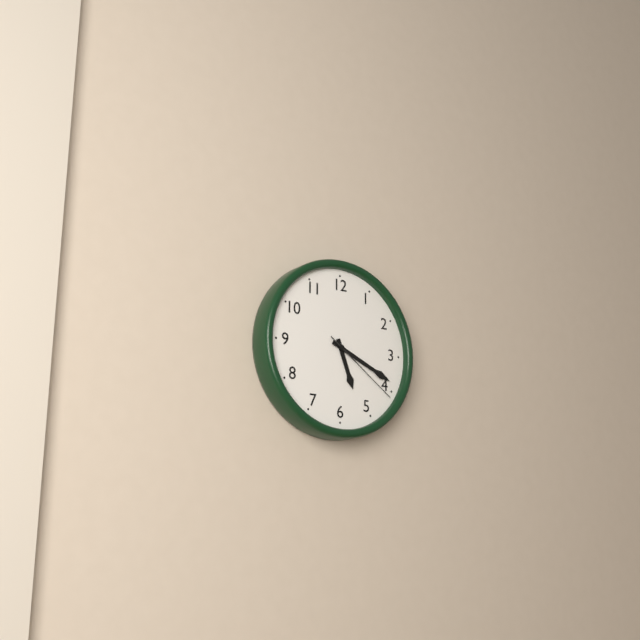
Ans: 5:19:21
